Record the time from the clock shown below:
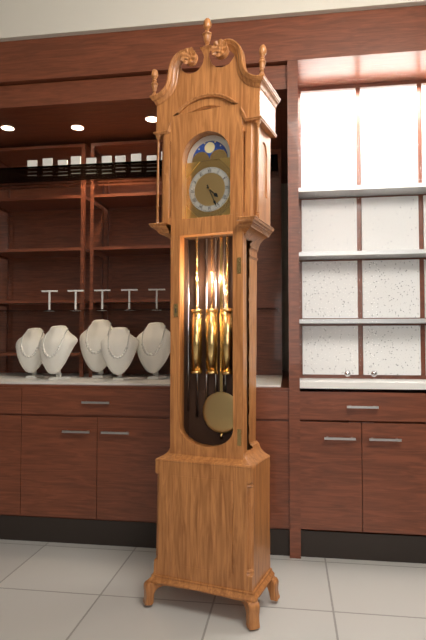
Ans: 4:26
